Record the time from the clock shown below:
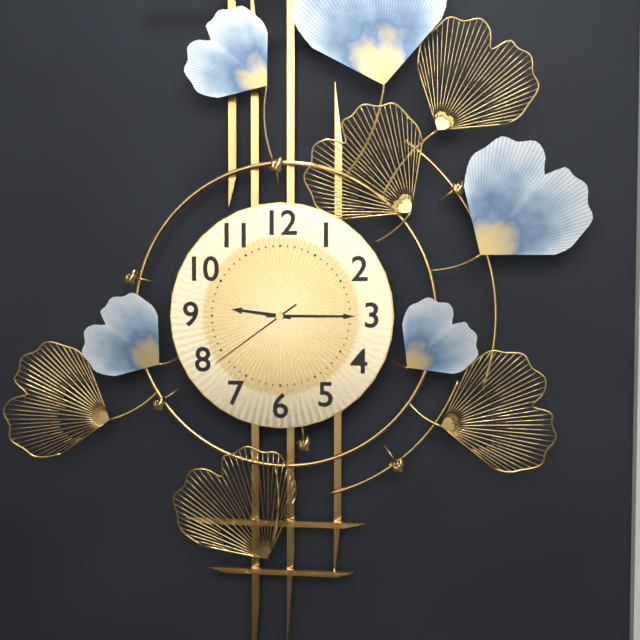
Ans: 9:15:39
